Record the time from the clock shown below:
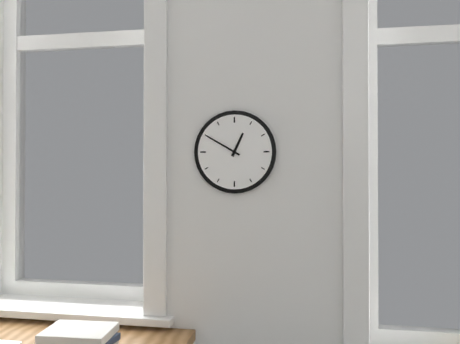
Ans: 12:50
